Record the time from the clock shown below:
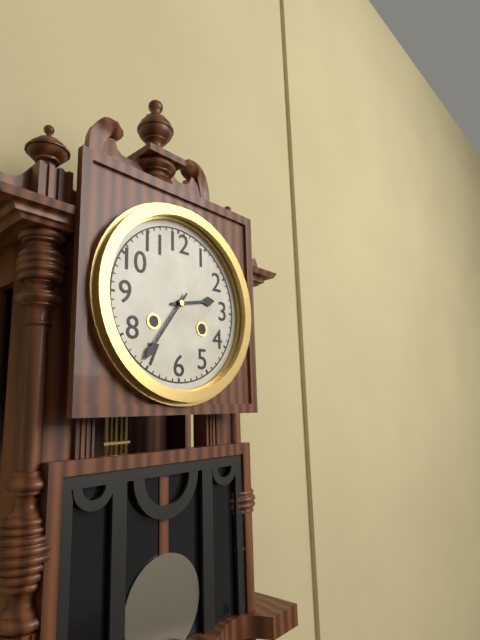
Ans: 2:36
